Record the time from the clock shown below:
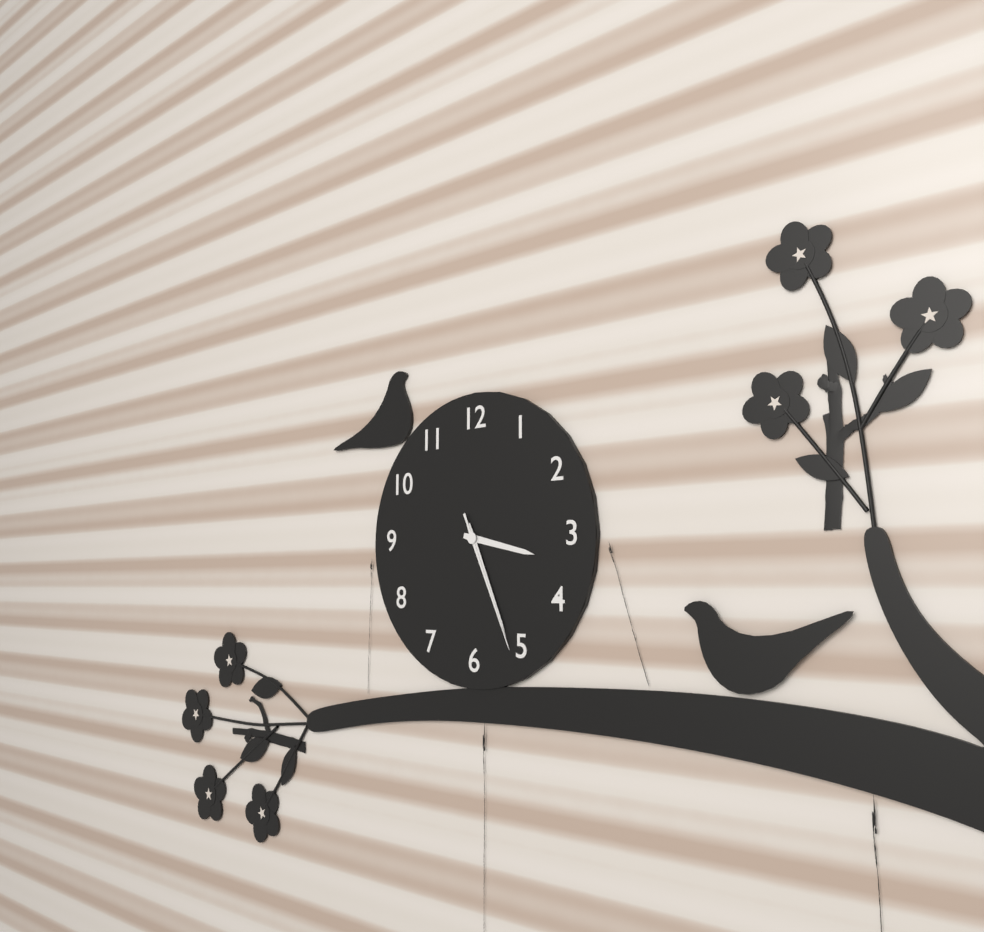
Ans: 3:26:26
